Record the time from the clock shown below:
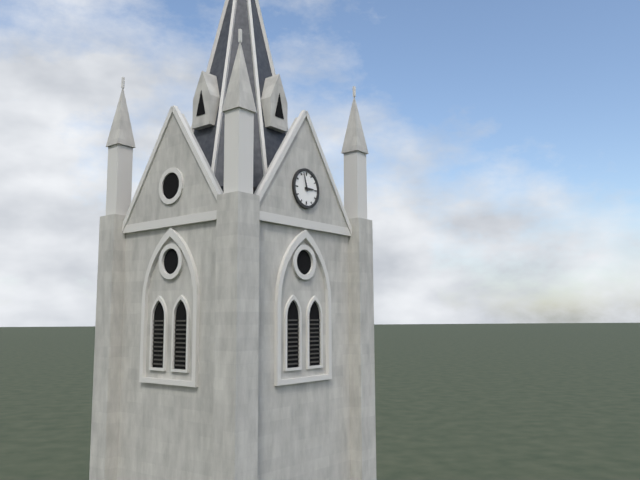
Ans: 2:57
